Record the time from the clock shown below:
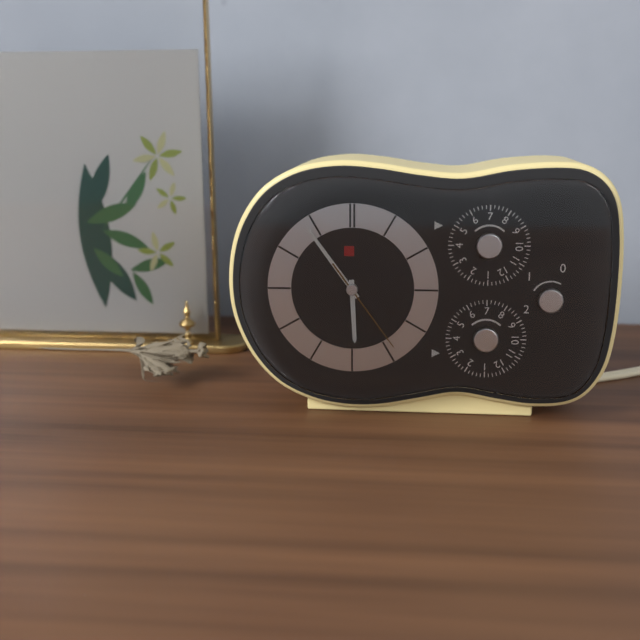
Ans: 5:54:24
